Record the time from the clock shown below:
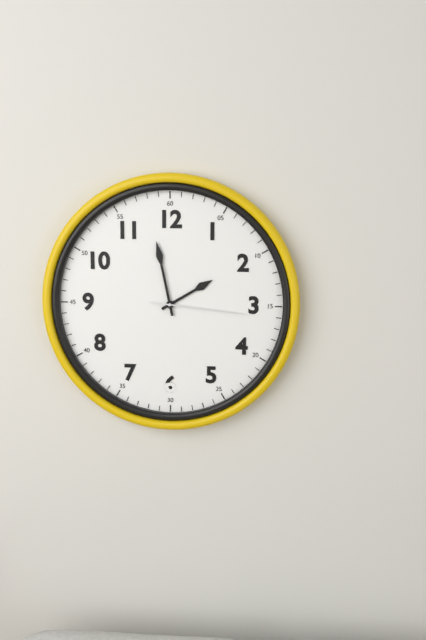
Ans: 1:58:16
